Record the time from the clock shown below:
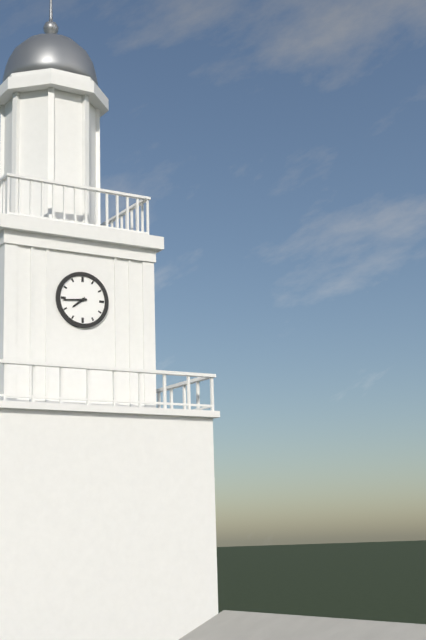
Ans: 7:44
